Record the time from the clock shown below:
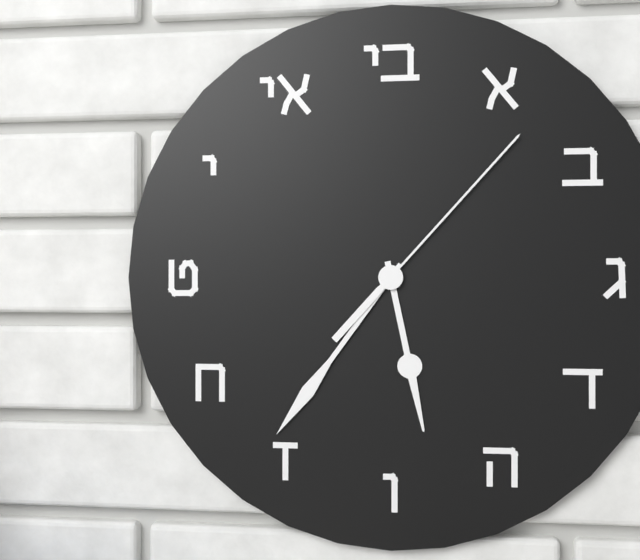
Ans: 5:36:07
